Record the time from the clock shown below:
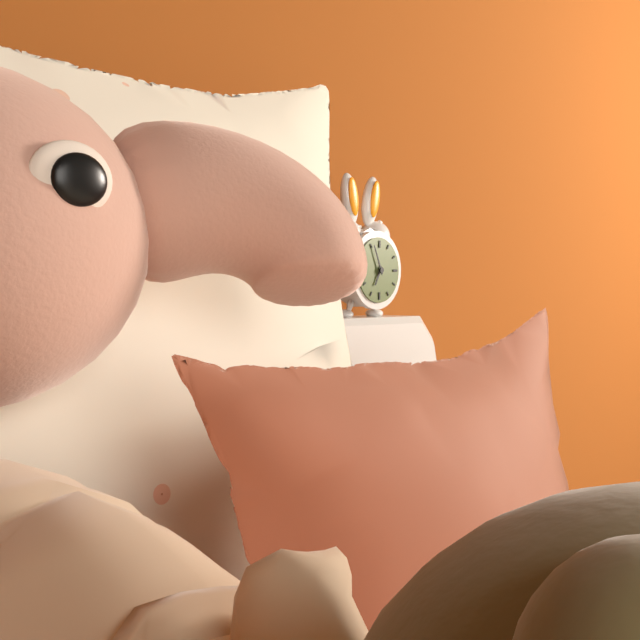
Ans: 6:56
